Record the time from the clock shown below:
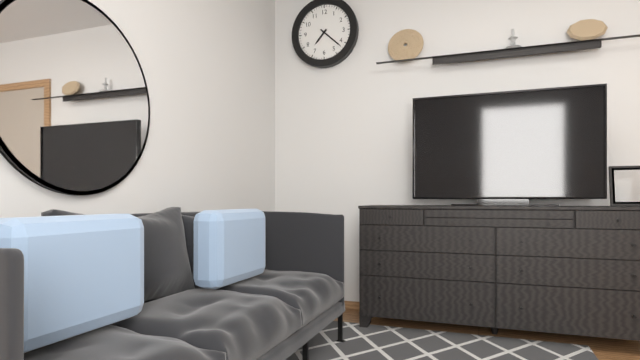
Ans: 7:22
